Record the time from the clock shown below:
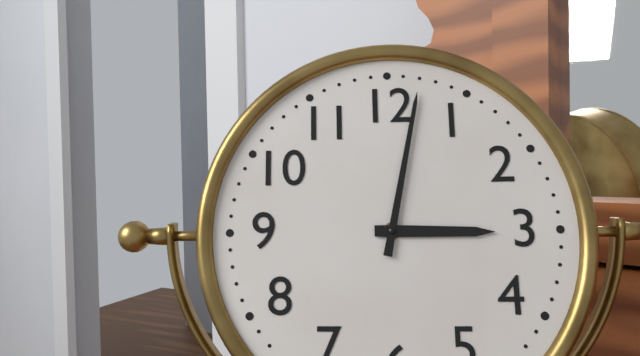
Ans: 3:02
